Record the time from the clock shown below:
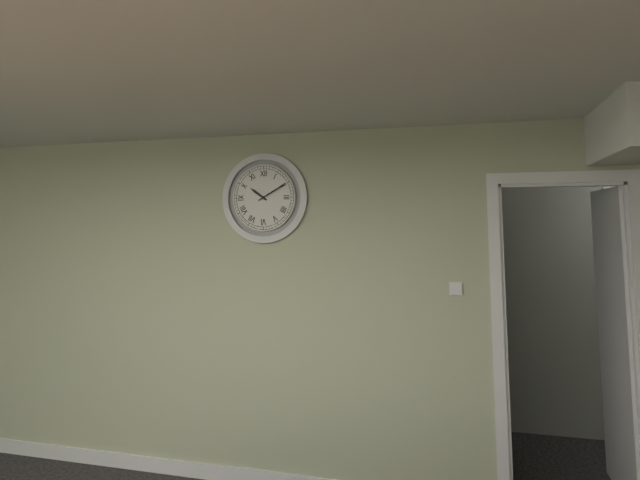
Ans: 10:10
